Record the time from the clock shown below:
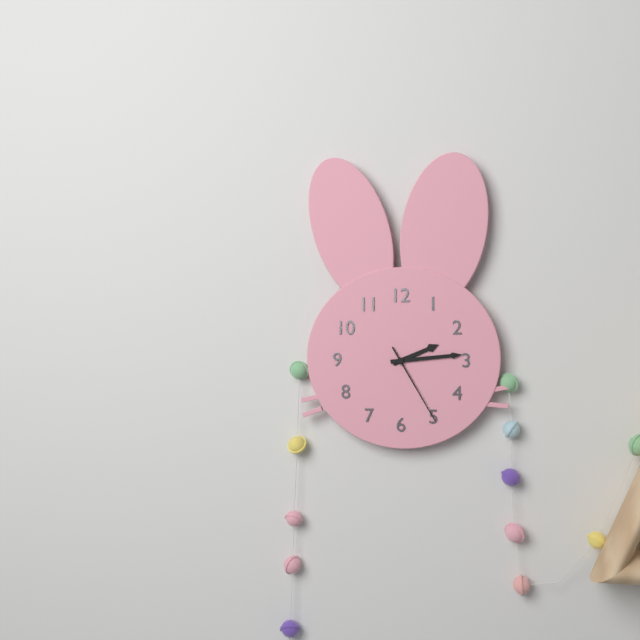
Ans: 2:14:25
